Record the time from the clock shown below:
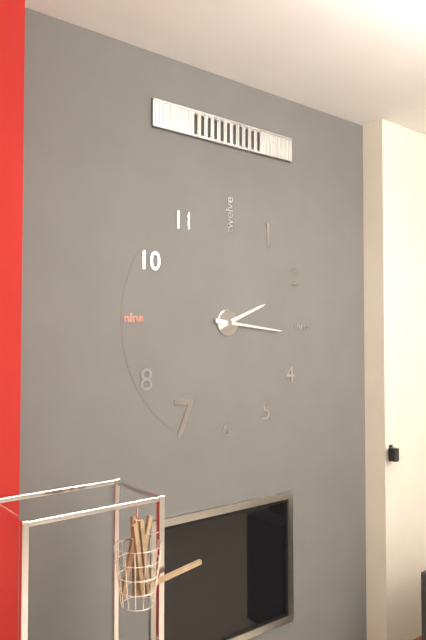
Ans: 2:16
